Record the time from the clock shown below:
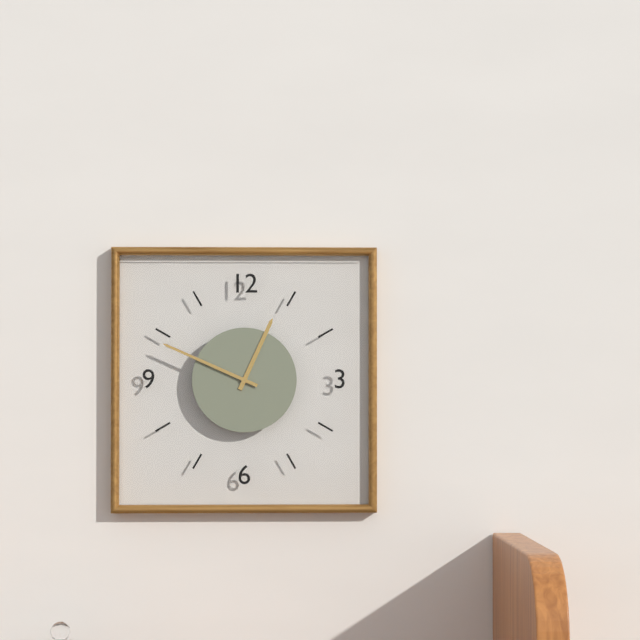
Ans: 12:49
